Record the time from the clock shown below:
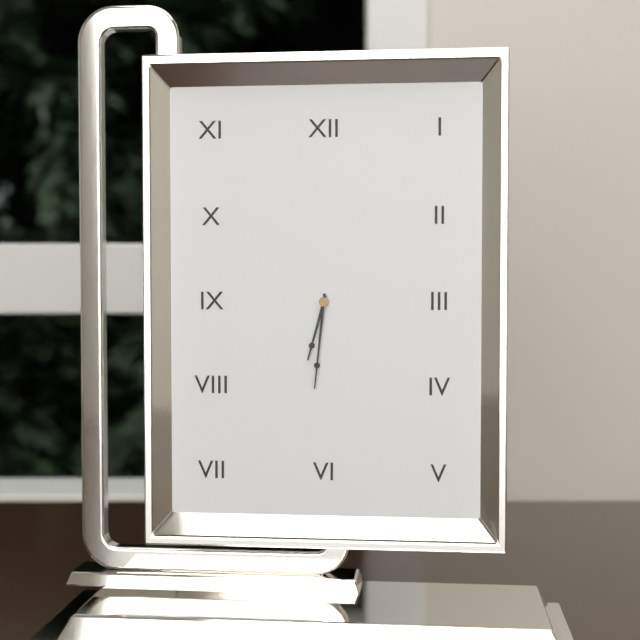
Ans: 6:31
